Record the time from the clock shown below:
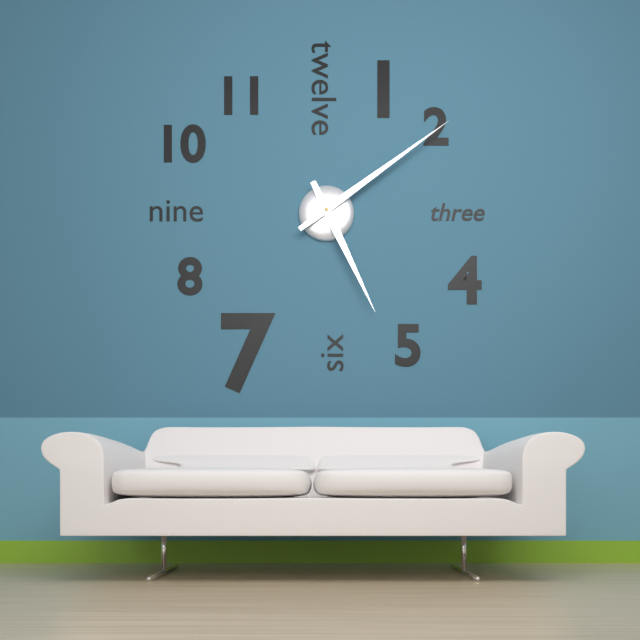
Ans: 5:09
